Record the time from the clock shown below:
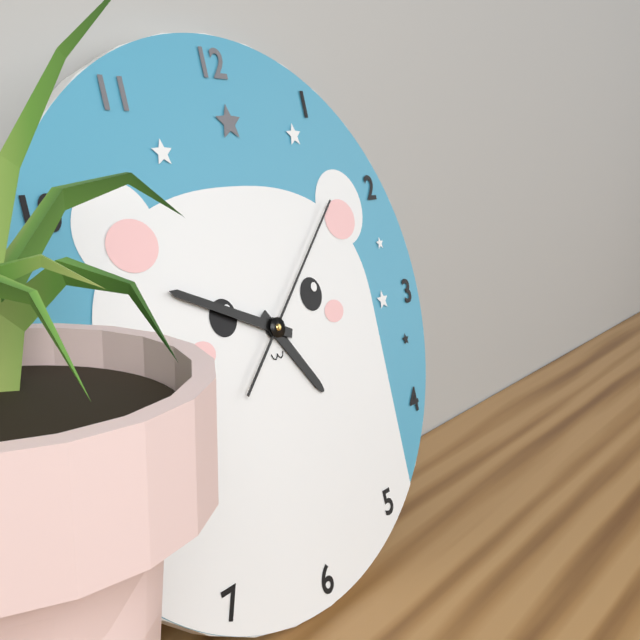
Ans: 4:49:08
